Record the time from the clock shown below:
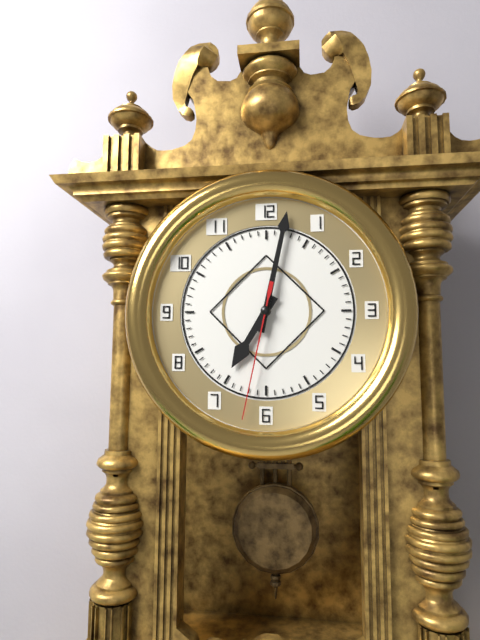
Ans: 7:02:32
